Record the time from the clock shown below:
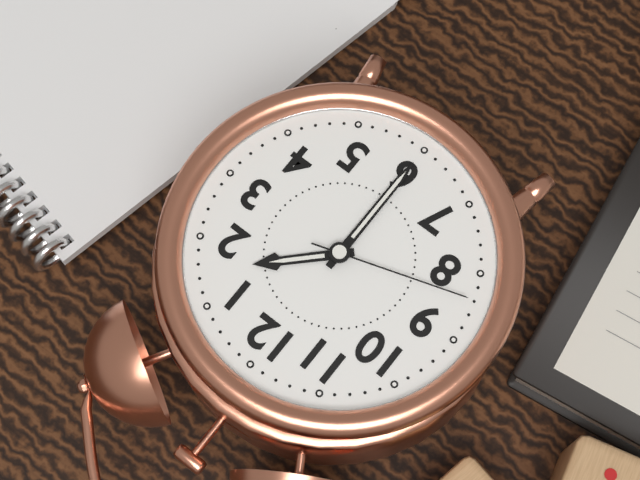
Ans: 1:30:42
